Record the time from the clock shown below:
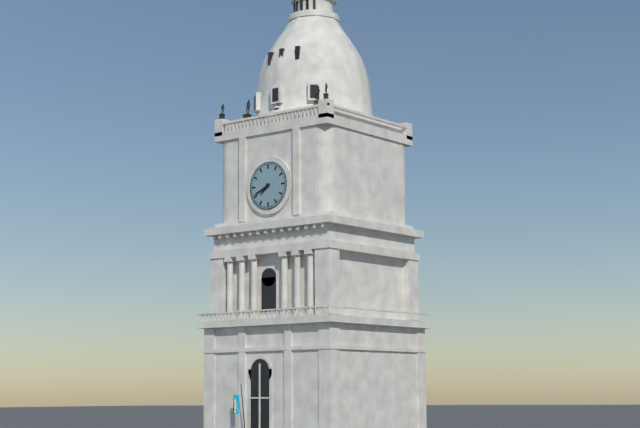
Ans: 7:41
